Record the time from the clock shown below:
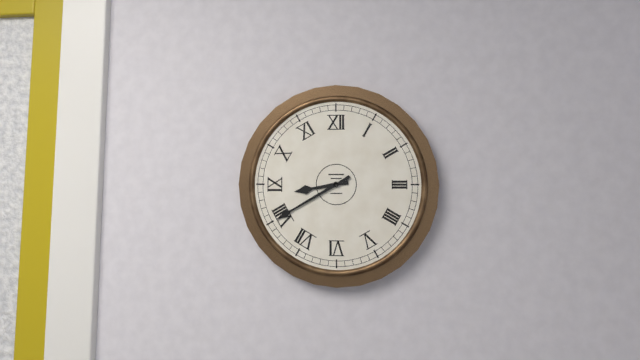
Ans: 8:40
